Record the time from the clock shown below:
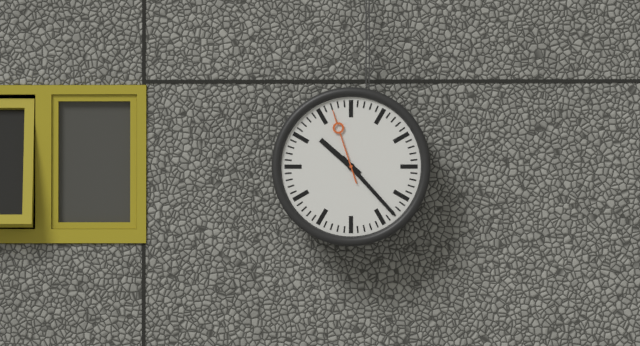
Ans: 10:23:57
